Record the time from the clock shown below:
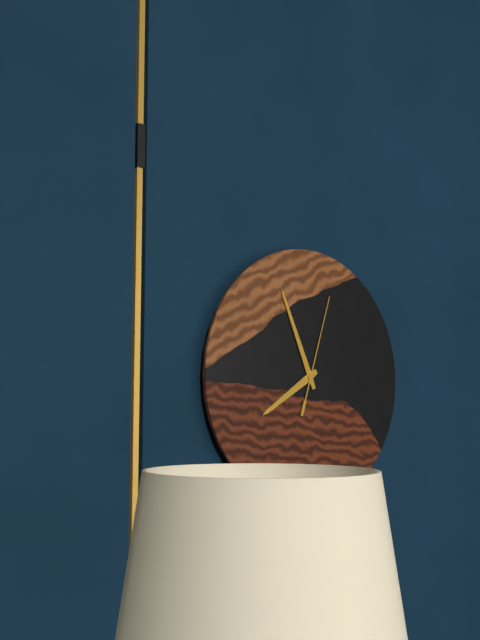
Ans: 7:56:03
